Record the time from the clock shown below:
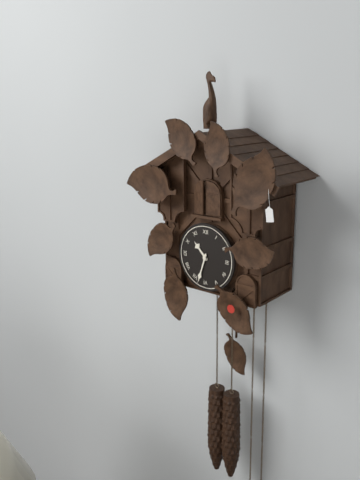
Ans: 10:33
